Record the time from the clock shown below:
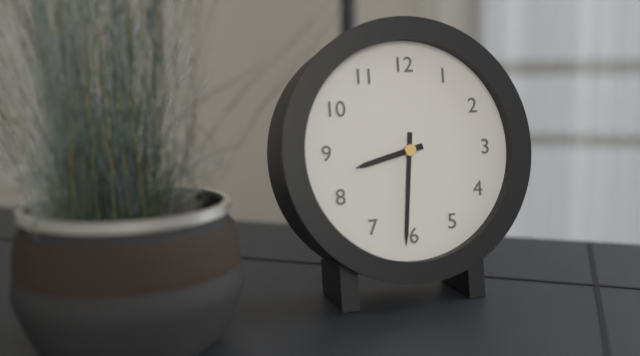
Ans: 8:31
